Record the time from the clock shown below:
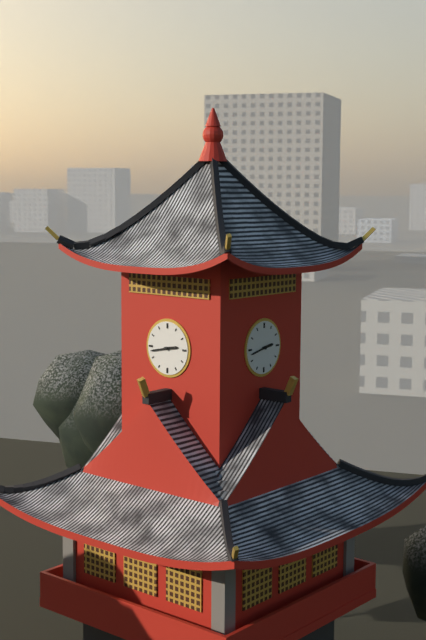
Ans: 2:43
